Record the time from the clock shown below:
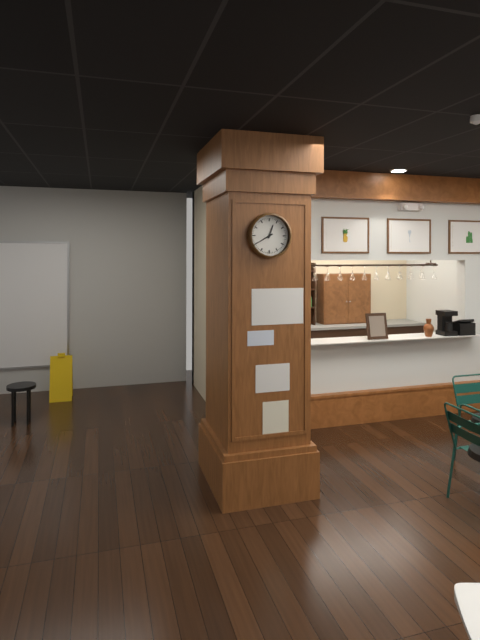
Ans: 12:40
